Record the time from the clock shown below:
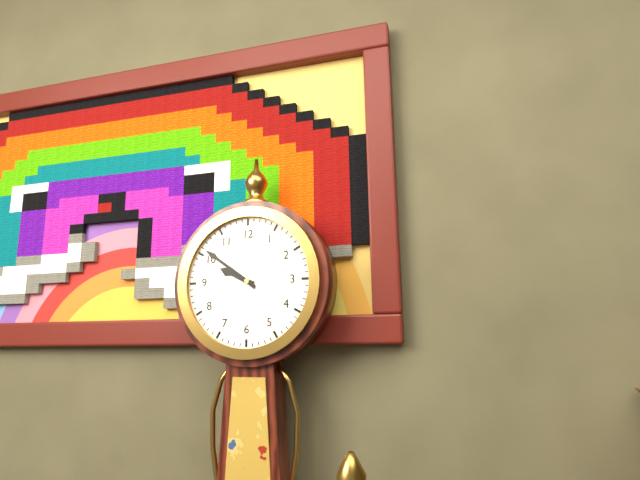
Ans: 9:51
